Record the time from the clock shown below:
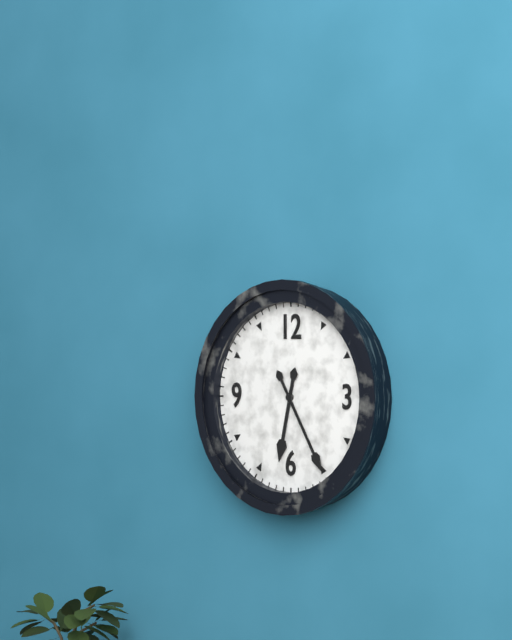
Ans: 6:25
